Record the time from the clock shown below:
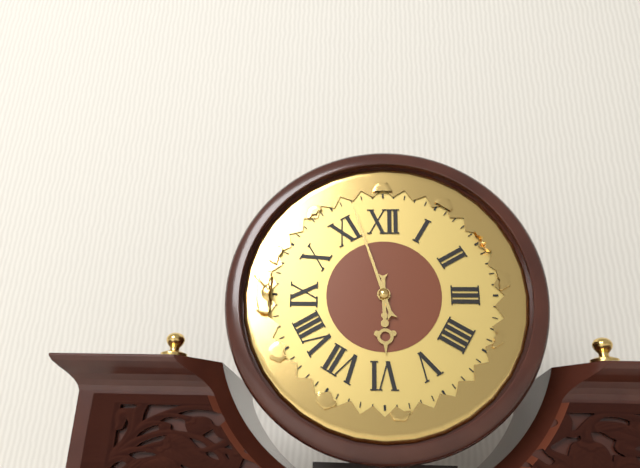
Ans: 5:57
